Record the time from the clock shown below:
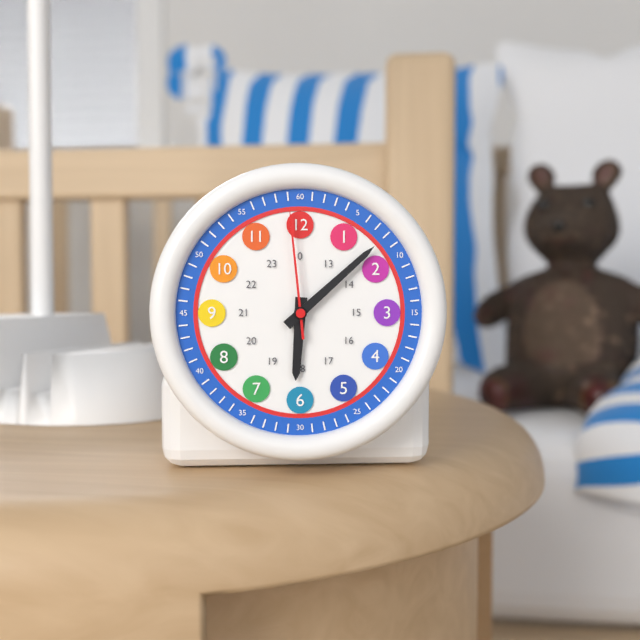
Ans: 6:08:59
